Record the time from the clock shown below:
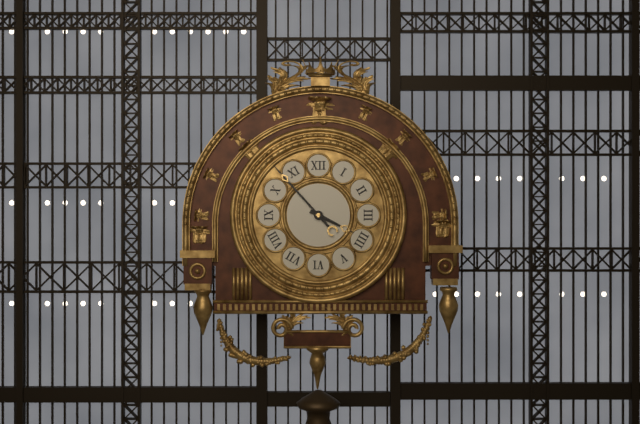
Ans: 3:53
